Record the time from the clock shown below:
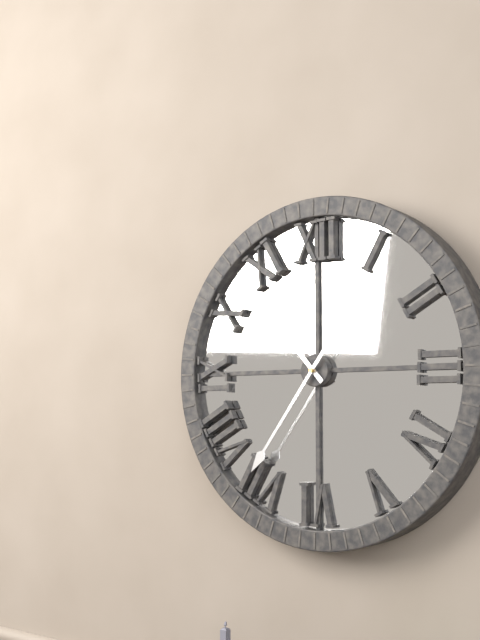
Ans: 10:36
